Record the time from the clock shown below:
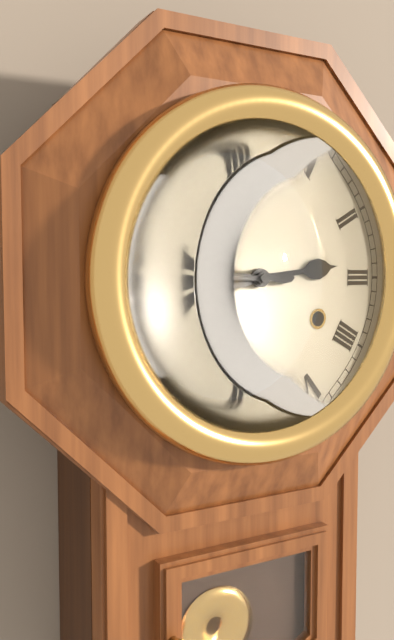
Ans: 2:45
